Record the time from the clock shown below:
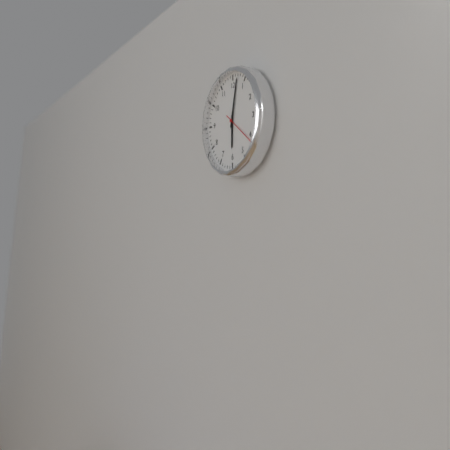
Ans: 6:02
